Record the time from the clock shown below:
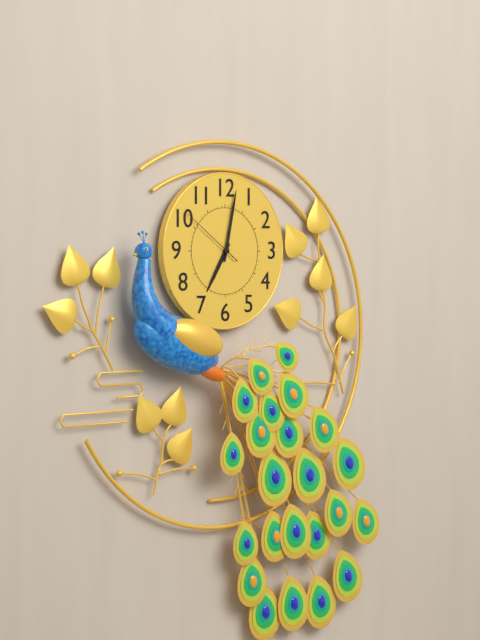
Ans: 7:02:51
